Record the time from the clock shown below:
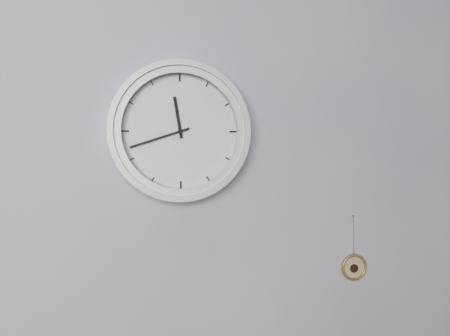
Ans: 11:42
